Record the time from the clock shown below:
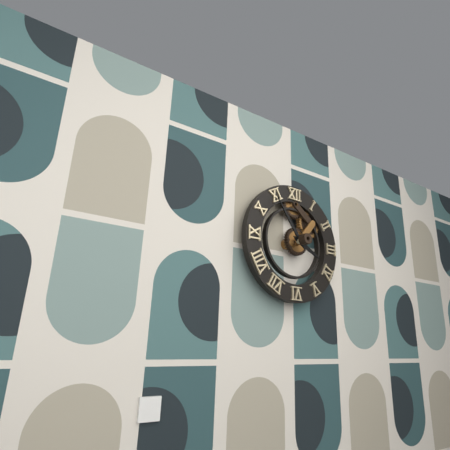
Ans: 3:54
